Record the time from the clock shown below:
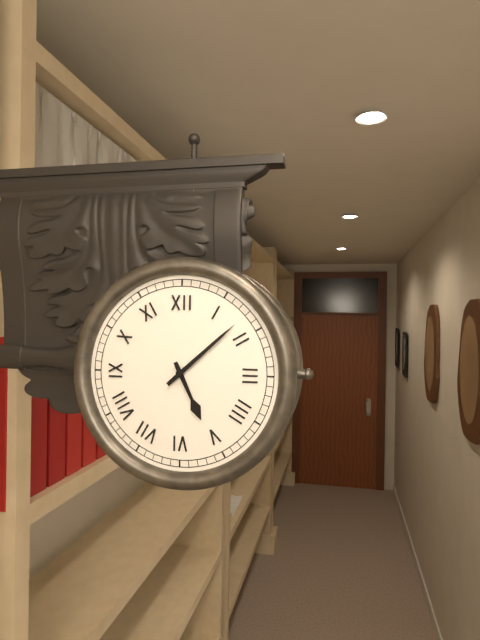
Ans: 5:08
